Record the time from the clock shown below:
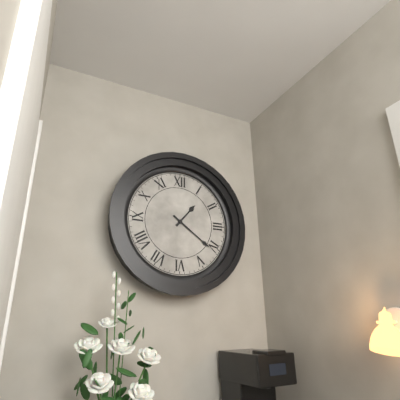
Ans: 1:21
